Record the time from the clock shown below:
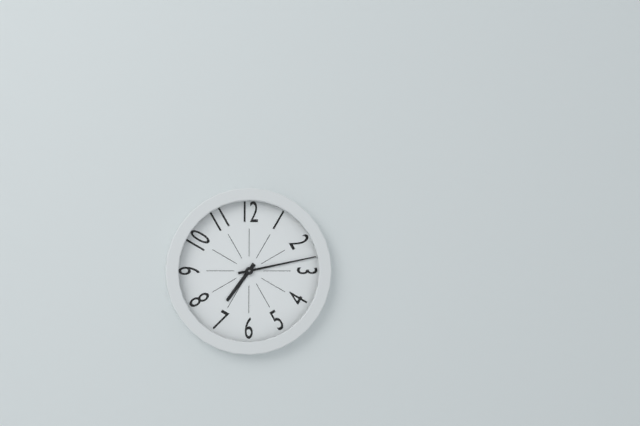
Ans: 7:13
